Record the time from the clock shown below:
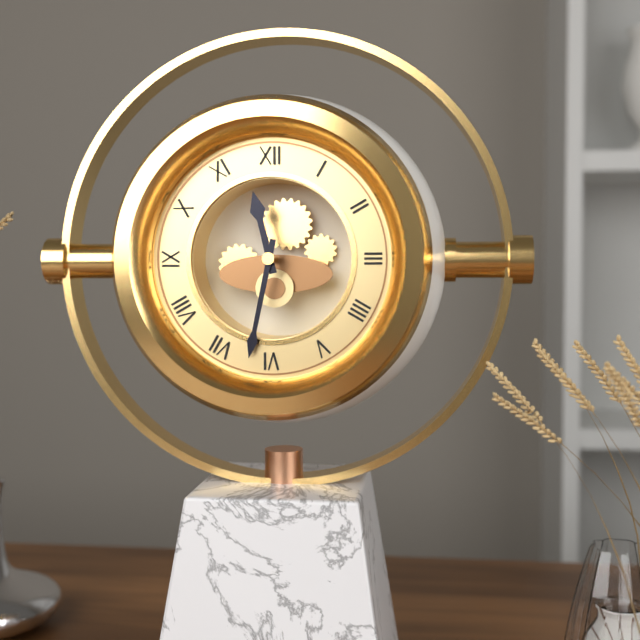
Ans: 11:32
